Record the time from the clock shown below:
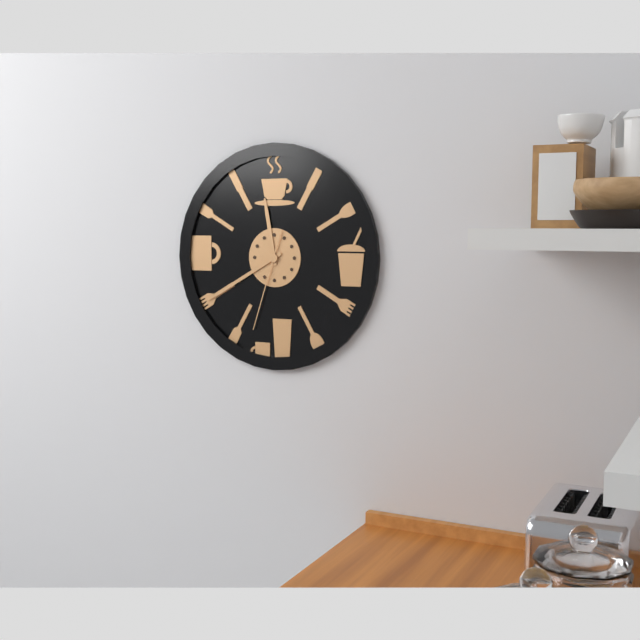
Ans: 11:40:33
